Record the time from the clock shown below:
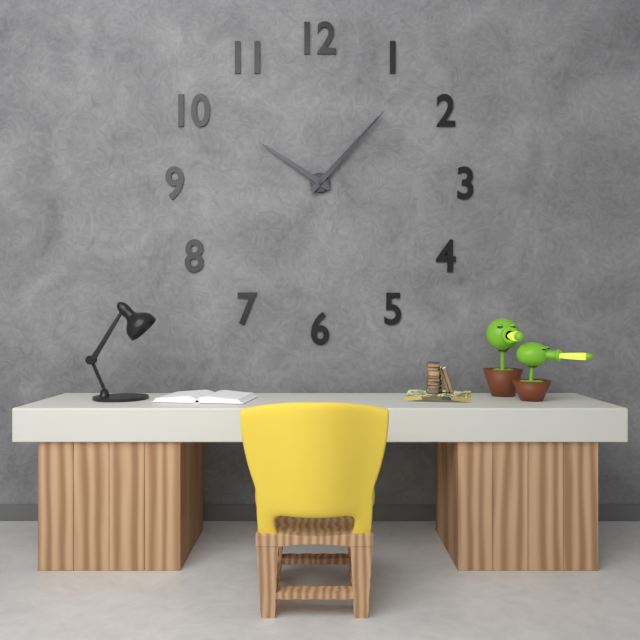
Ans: 10:07
